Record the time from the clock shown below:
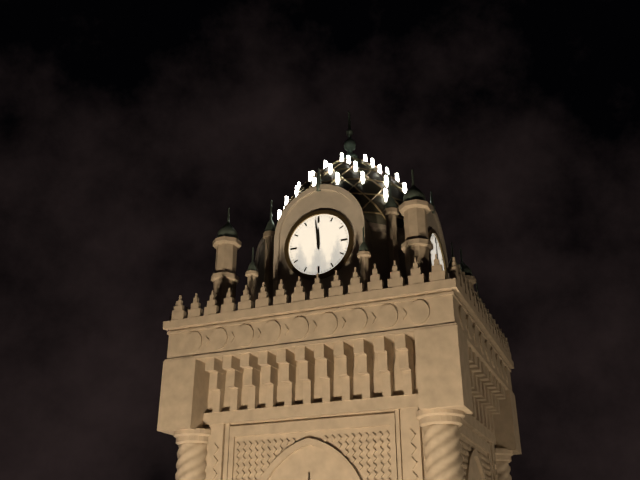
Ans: 11:59
